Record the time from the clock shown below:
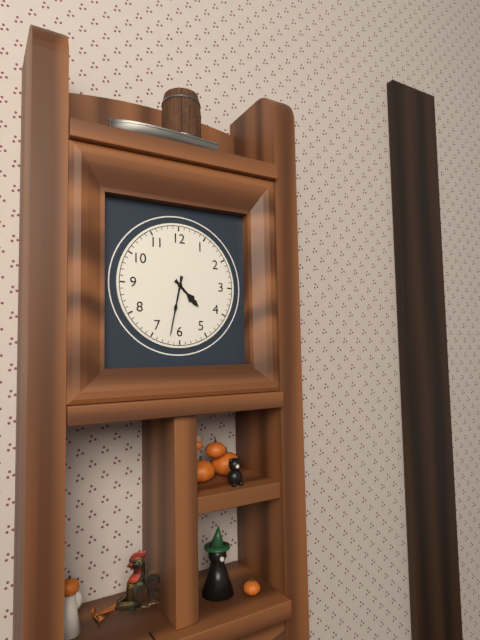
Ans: 4:32
